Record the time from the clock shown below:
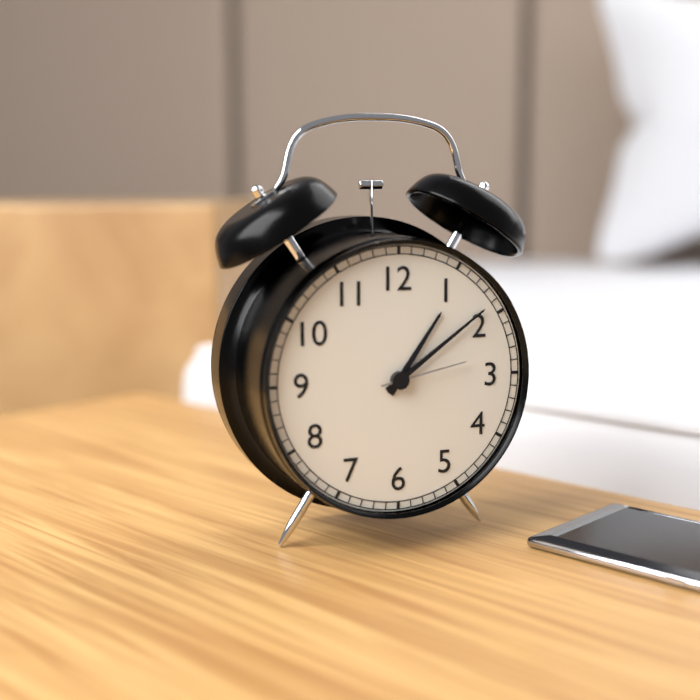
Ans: 1:09:13
